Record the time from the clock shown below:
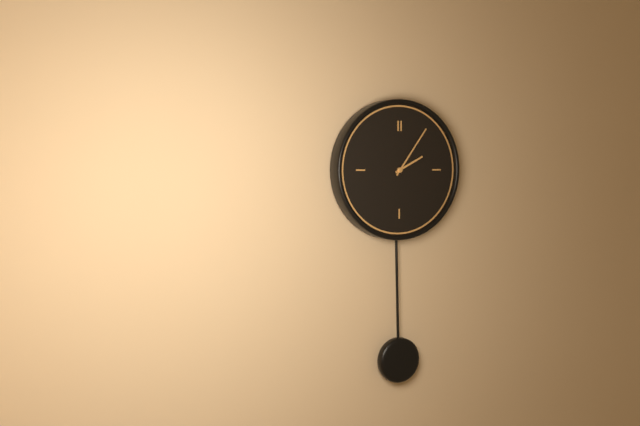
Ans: 2:06
